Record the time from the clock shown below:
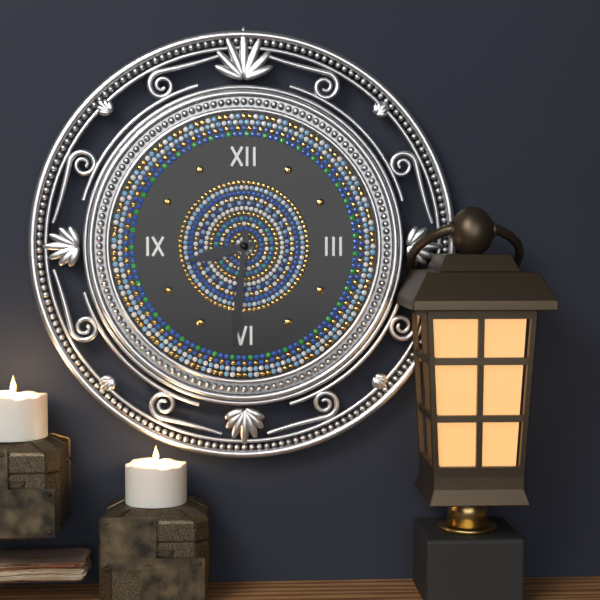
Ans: 8:31
